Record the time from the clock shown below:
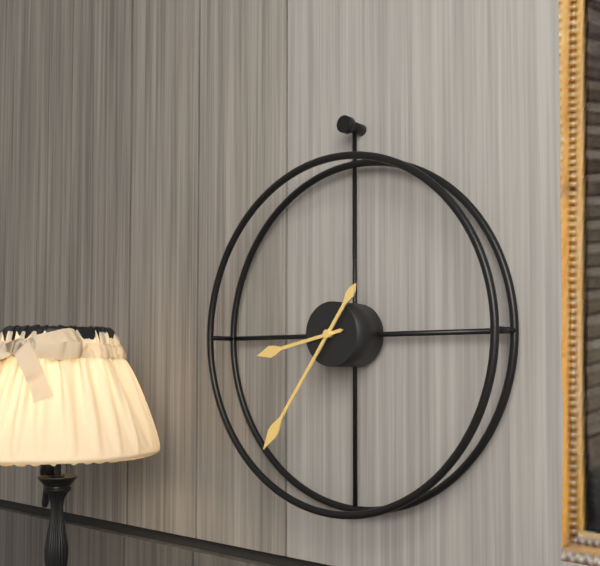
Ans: 8:36
